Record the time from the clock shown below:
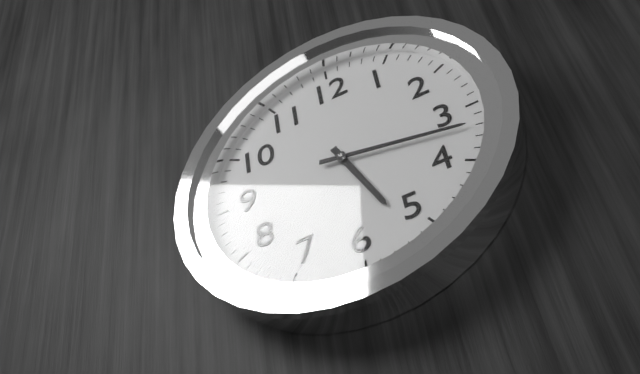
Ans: 5:17
